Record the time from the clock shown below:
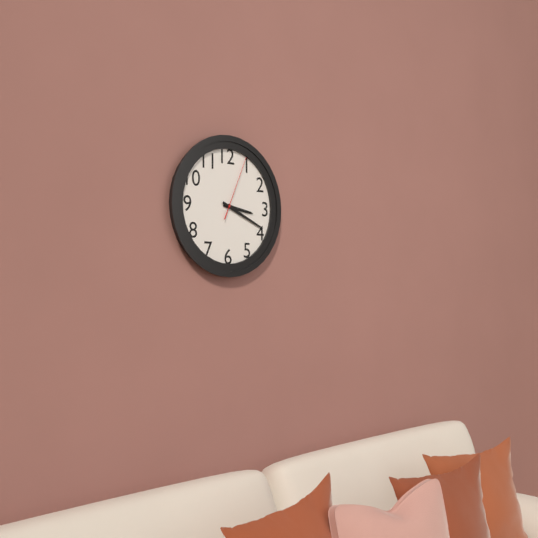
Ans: 3:19:04
